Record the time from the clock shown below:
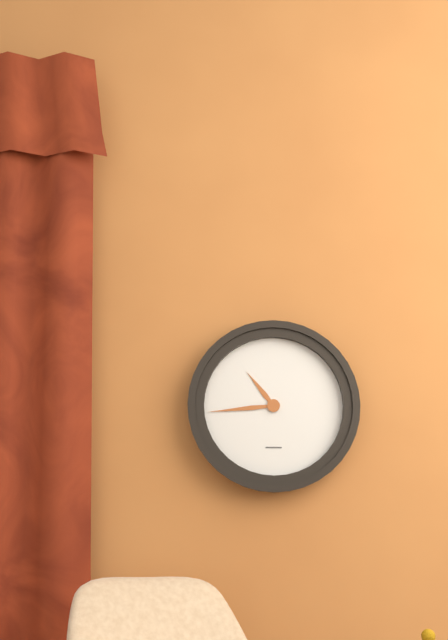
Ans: 10:44
